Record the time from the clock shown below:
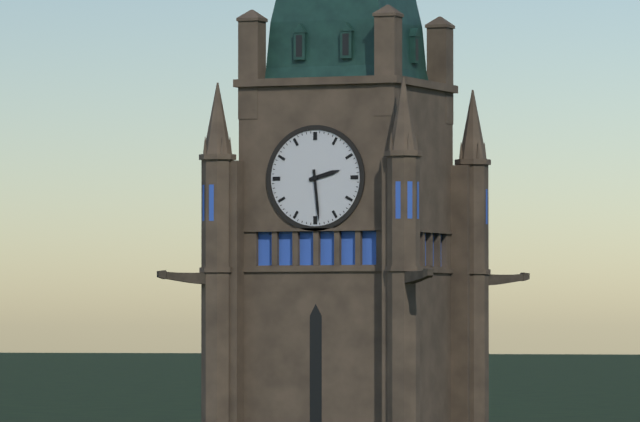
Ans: 2:29
